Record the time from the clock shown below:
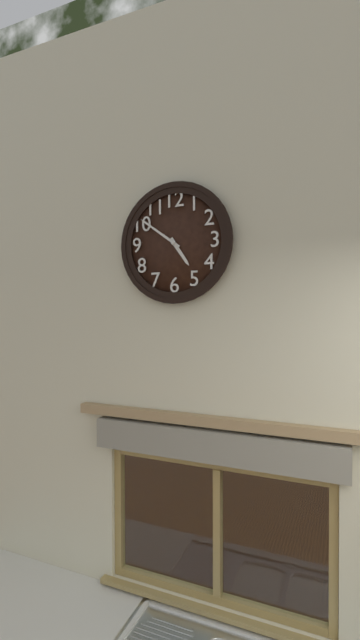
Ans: 4:51
